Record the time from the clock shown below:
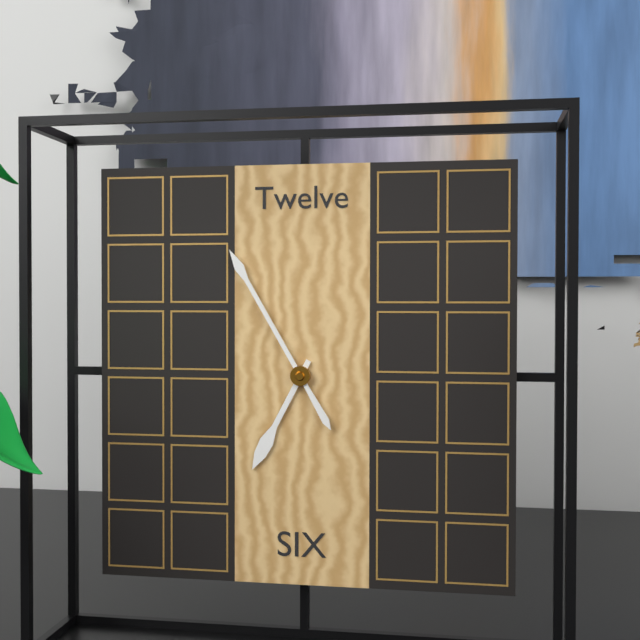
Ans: 6:55
